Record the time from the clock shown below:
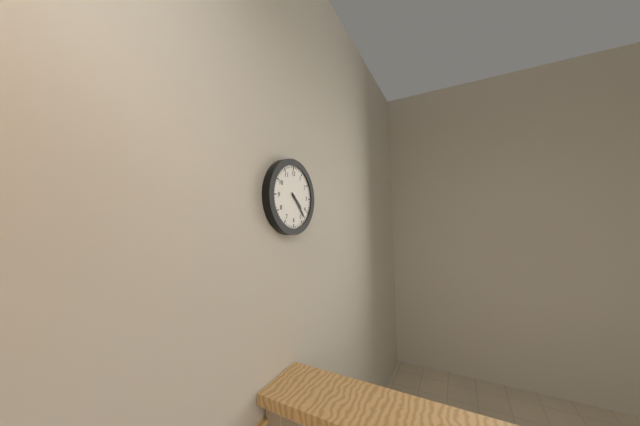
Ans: 4:23
